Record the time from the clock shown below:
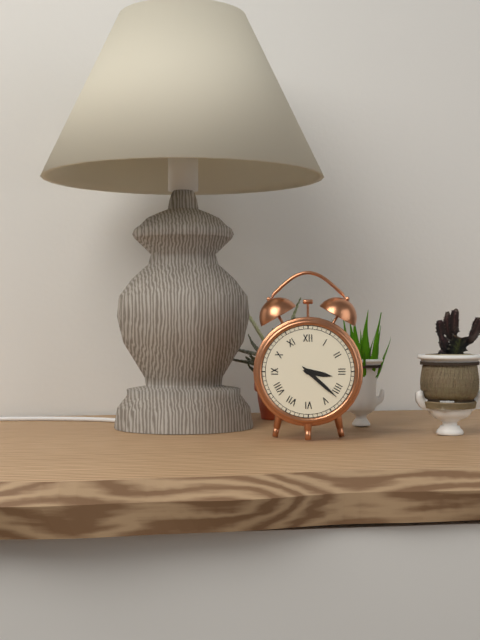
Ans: 3:22
